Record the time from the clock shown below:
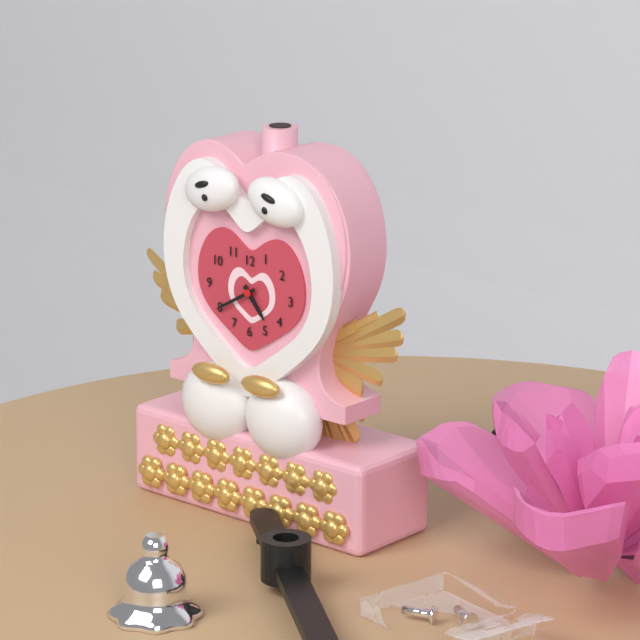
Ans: 4:40
